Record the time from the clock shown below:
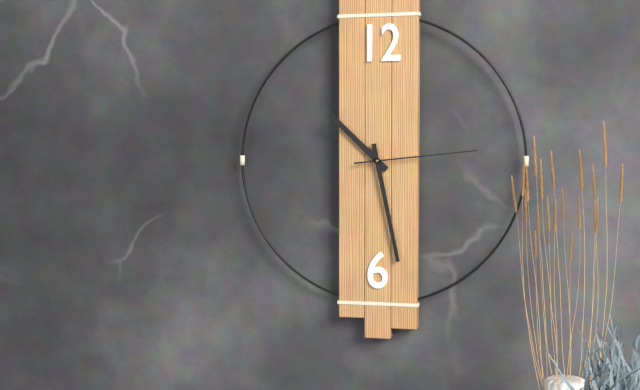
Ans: 10:28:14
